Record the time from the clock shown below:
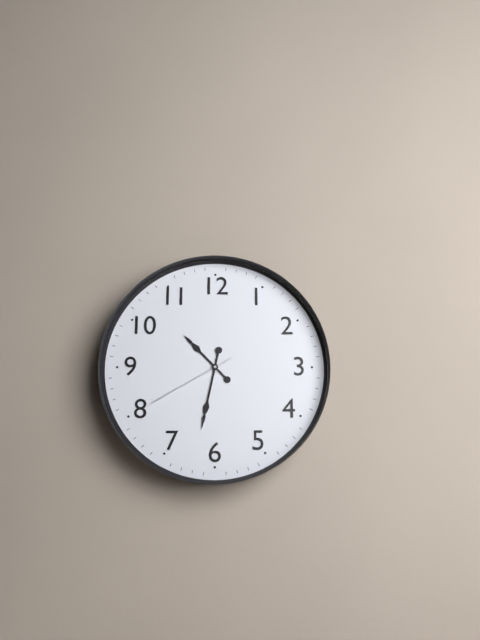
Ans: 10:32:40
